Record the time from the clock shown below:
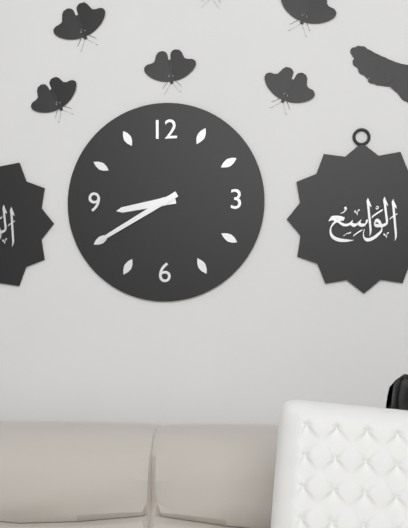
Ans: 8:40
